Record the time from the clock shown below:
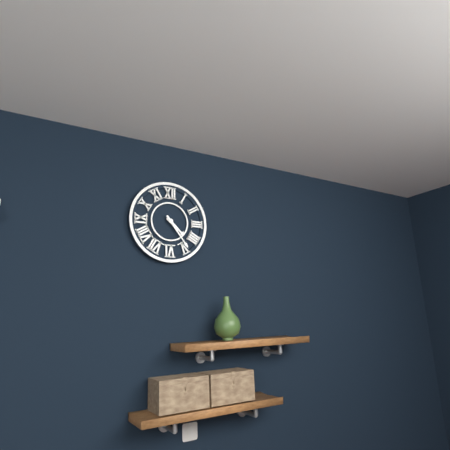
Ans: 4:24
